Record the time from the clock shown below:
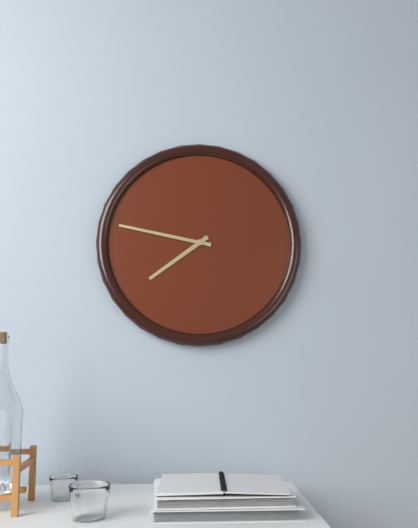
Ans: 7:47
